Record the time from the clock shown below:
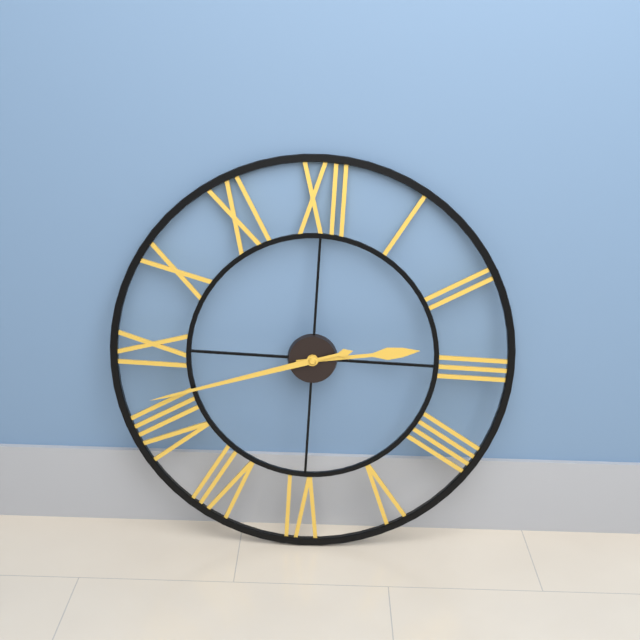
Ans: 2:42
